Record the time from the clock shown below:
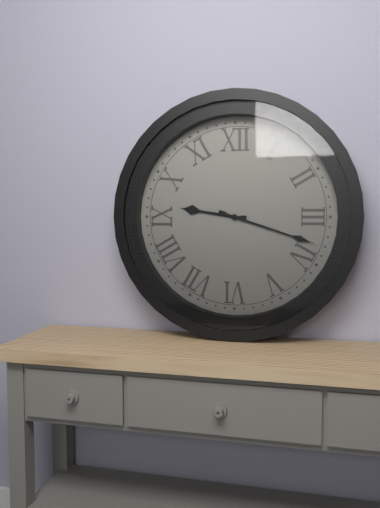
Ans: 9:18
